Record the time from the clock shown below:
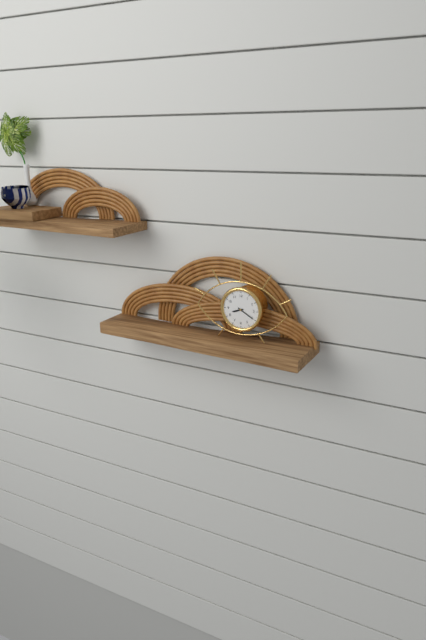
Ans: 8:20
